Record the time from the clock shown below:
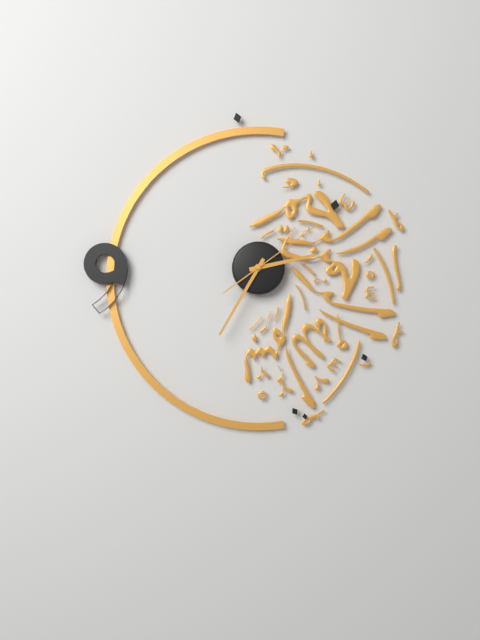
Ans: 2:35:09
